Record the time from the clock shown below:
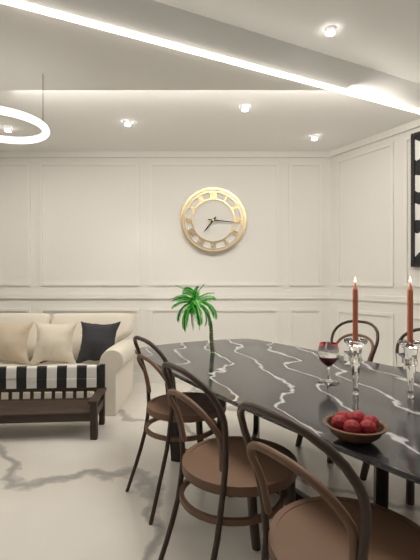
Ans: 7:16
